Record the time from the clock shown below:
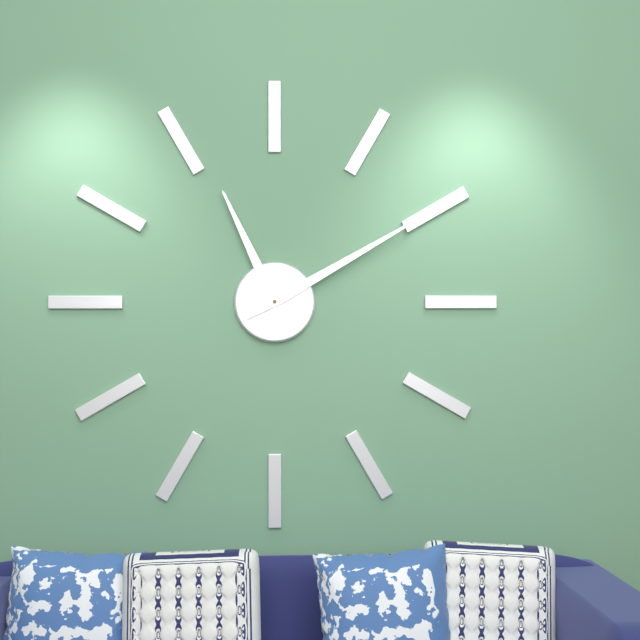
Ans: 11:10
